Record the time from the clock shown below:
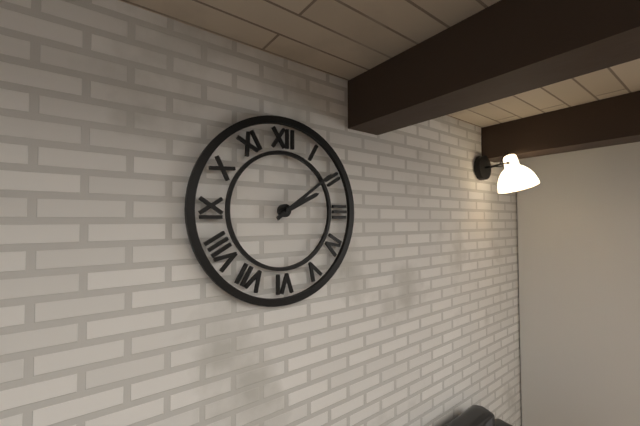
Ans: 2:09
